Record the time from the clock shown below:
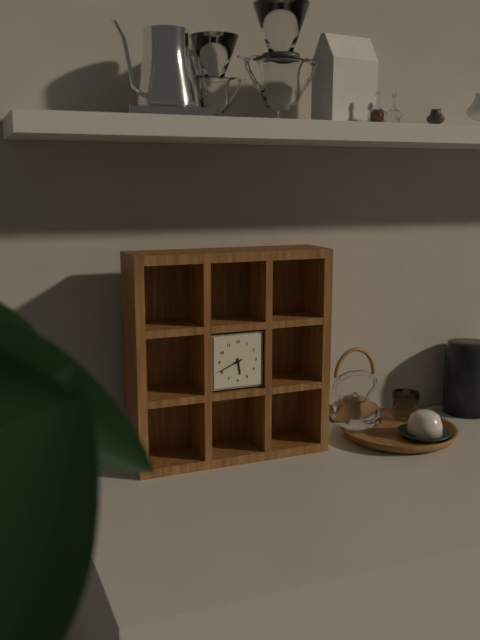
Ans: 5:41
